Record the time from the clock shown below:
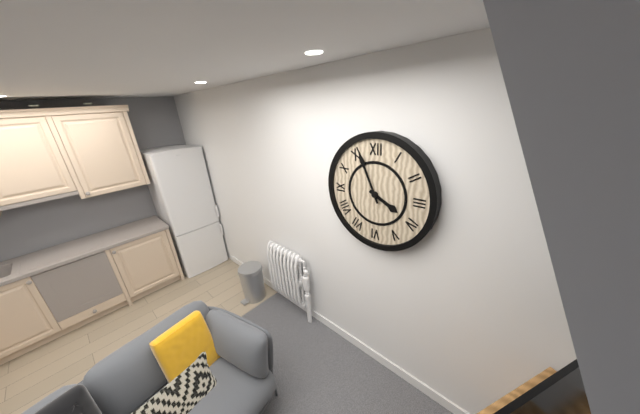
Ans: 3:56
